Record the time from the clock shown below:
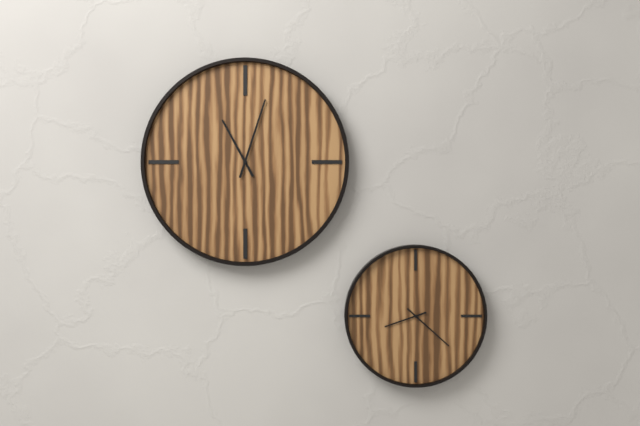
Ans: 11:03
